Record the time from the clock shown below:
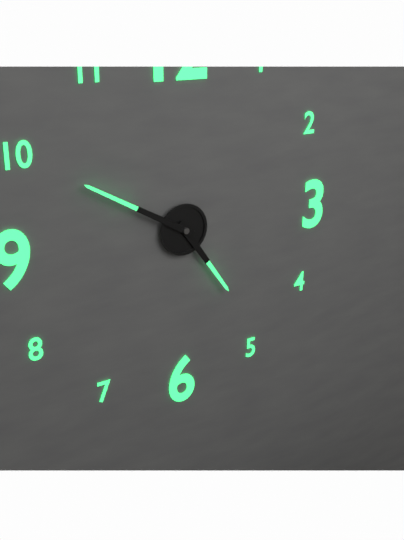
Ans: 4:50
